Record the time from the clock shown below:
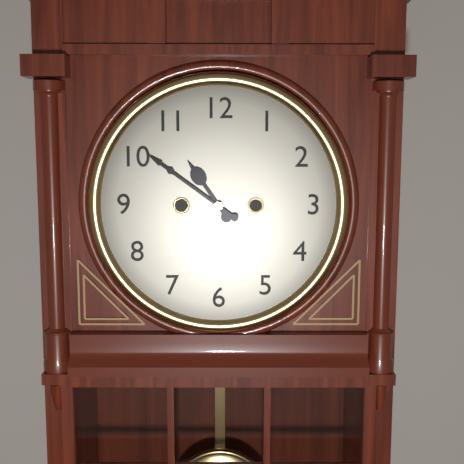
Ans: 10:51
